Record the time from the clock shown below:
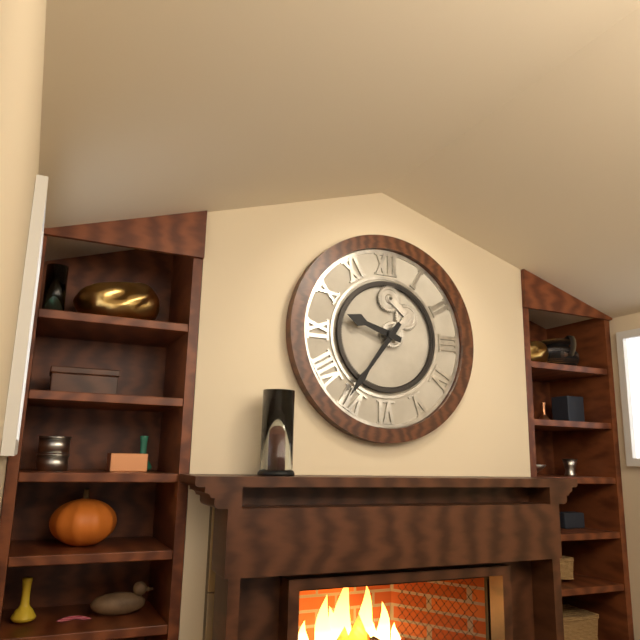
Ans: 9:36
